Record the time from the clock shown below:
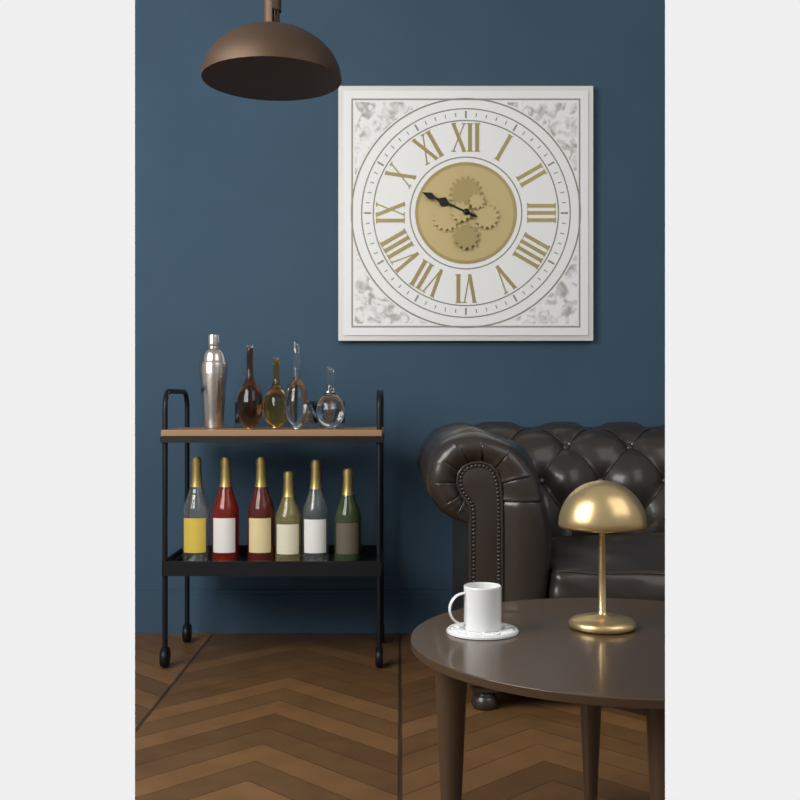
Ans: 9:49
